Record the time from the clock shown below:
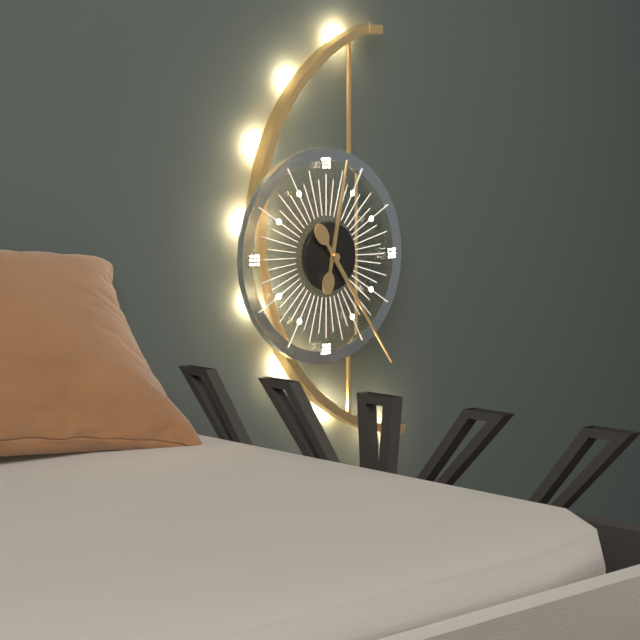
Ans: 12:24
